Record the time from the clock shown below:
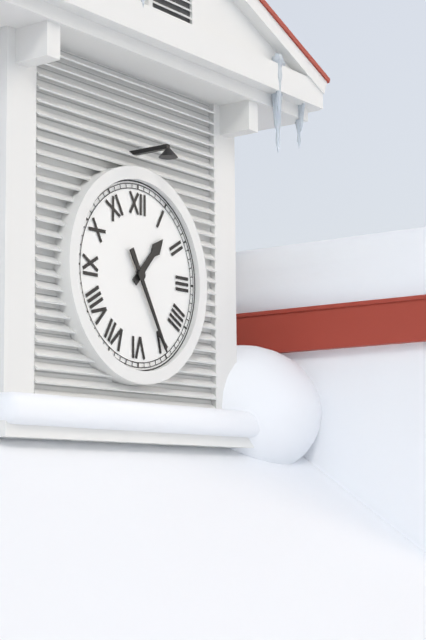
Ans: 1:25
